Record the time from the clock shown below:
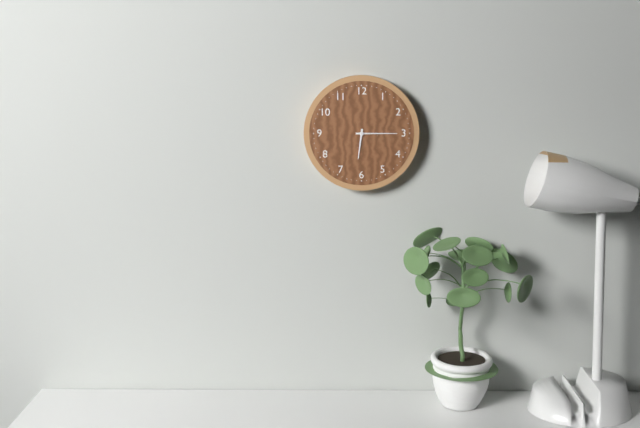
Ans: 6:15
